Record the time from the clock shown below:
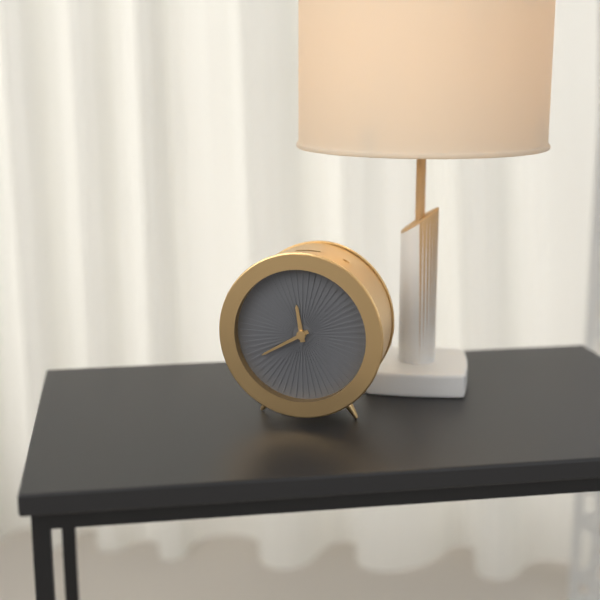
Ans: 11:40
